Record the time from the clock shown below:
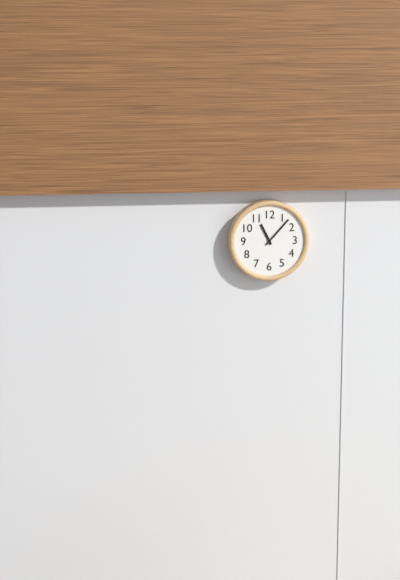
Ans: 11:07
